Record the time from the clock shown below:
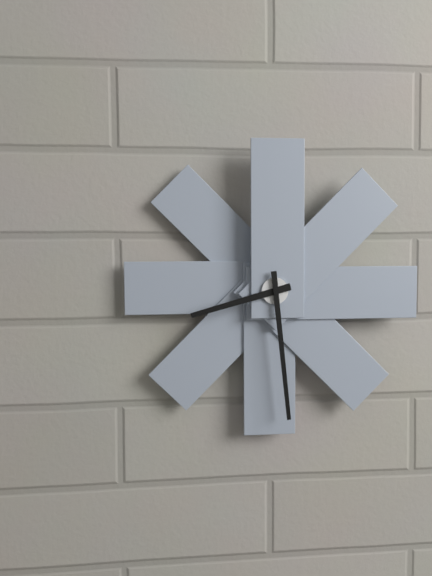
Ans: 8:29
